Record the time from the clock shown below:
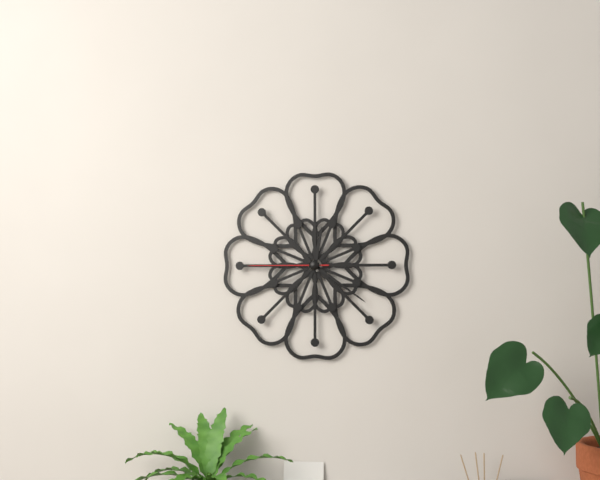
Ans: 12:21:45
